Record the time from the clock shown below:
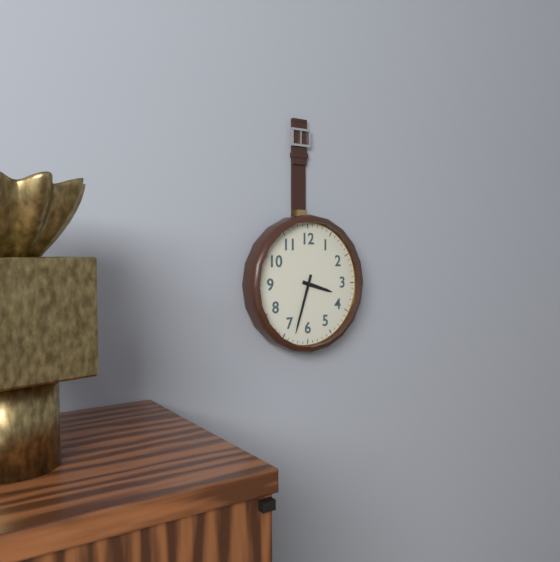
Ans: 3:33
